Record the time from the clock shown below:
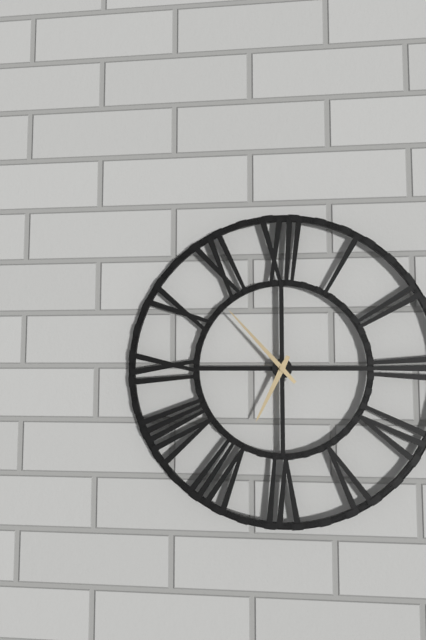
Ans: 6:53
